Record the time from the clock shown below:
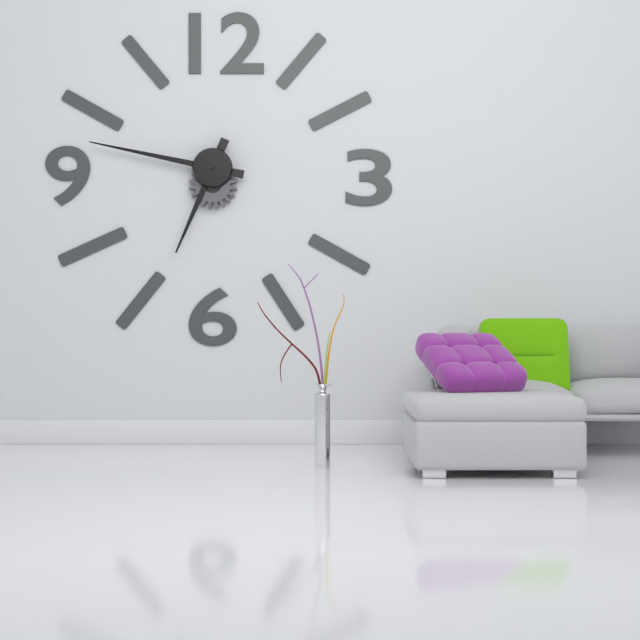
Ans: 6:47
